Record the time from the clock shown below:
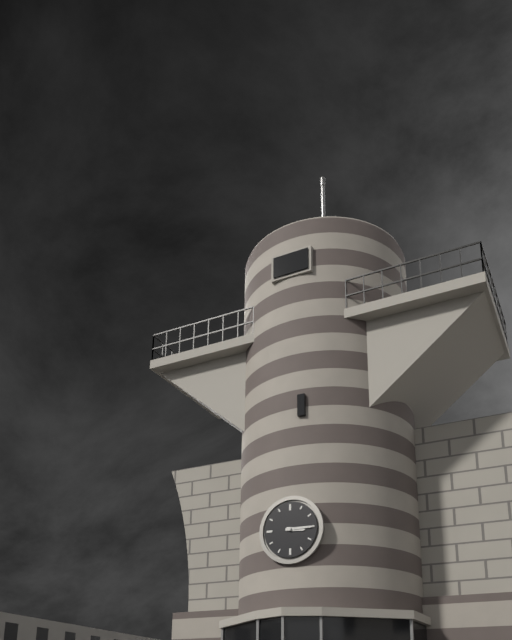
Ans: 3:15
